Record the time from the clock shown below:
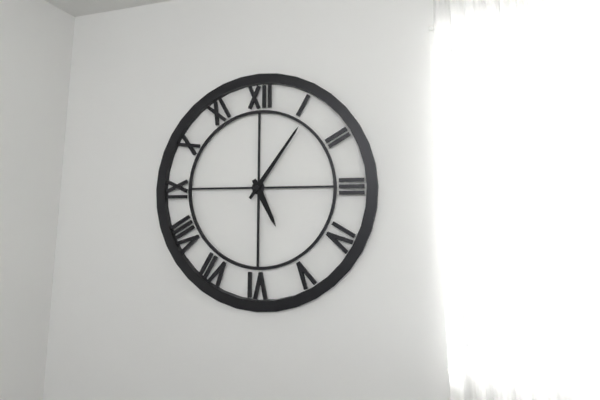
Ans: 5:06
